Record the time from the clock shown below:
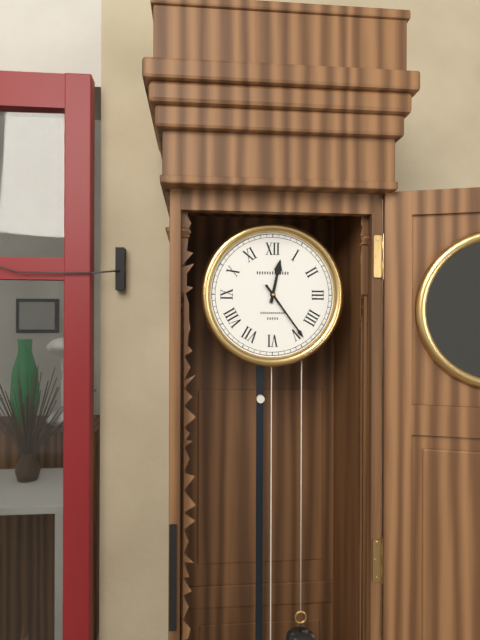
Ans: 12:24
